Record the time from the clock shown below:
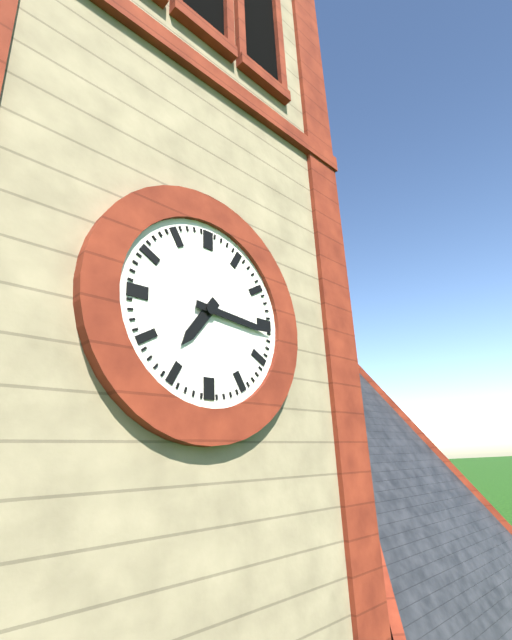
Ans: 7:16
